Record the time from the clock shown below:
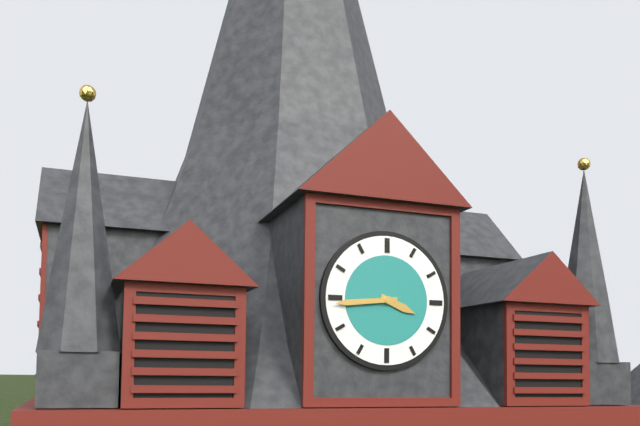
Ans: 3:44
